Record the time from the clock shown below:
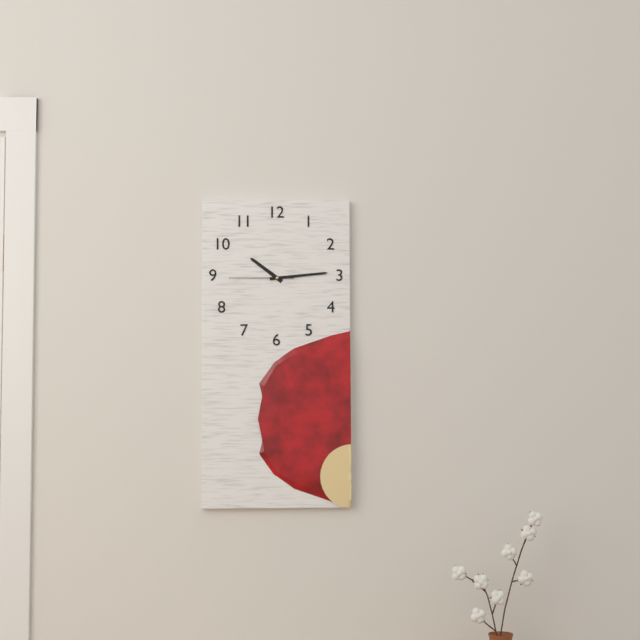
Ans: 10:14:45
